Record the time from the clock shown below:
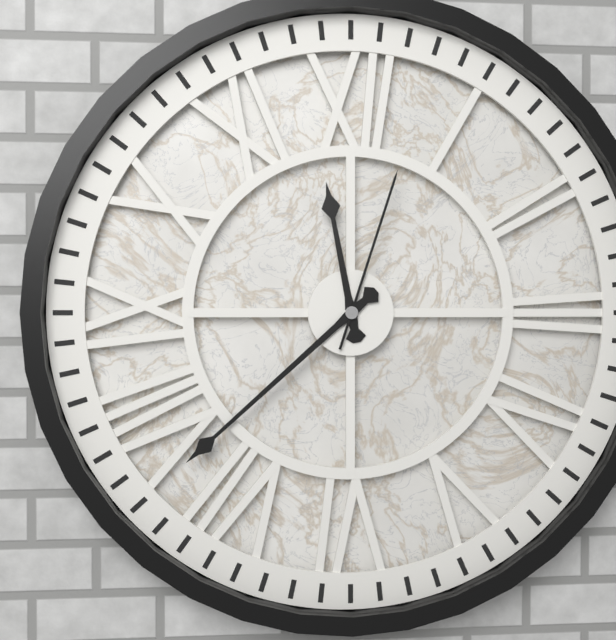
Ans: 11:38:03
